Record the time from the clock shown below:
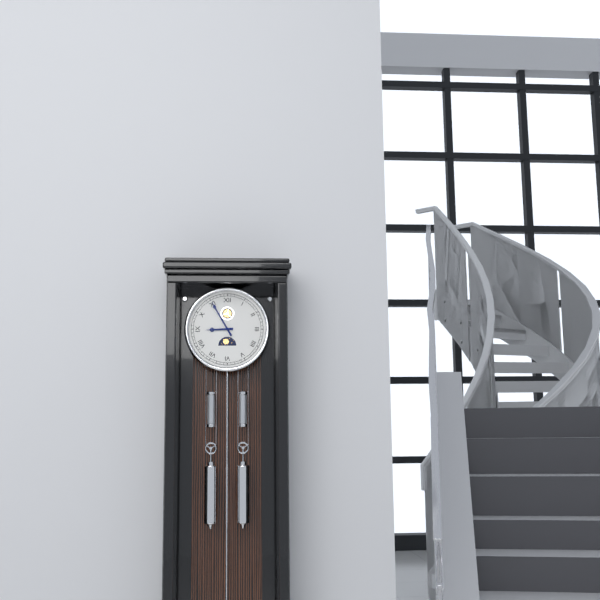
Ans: 8:55
